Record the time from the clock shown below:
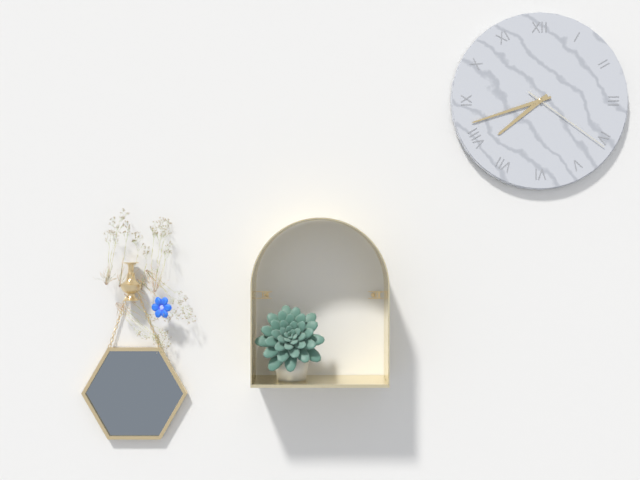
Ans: 7:42:21
